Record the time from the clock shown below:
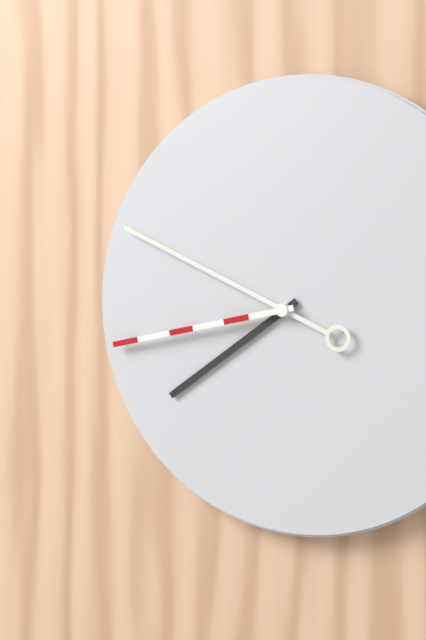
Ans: 7:49:43
